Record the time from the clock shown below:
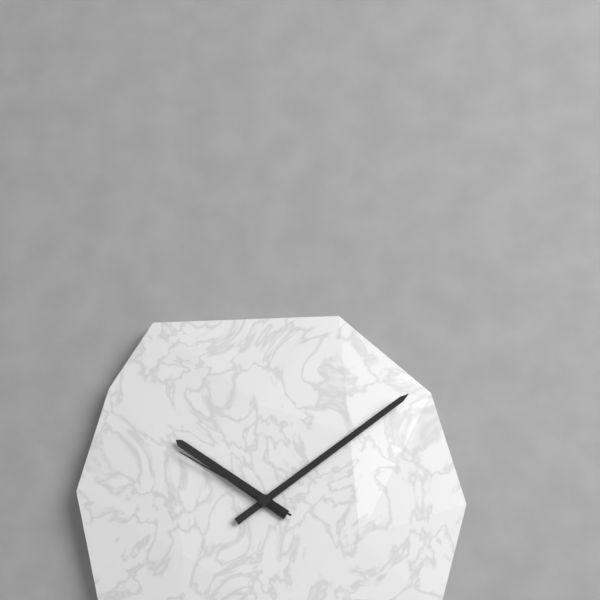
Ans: 10:09:50
